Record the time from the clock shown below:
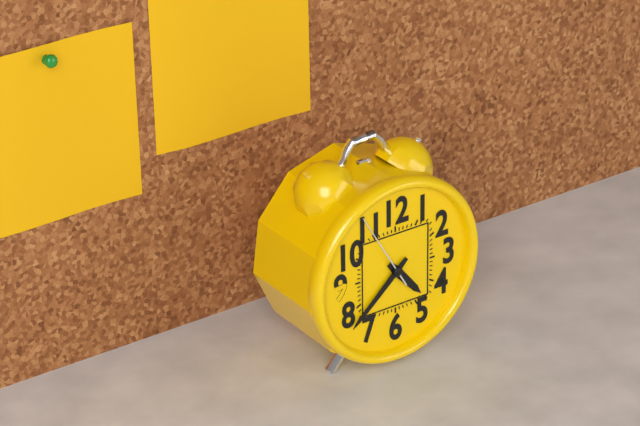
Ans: 4:38:55
